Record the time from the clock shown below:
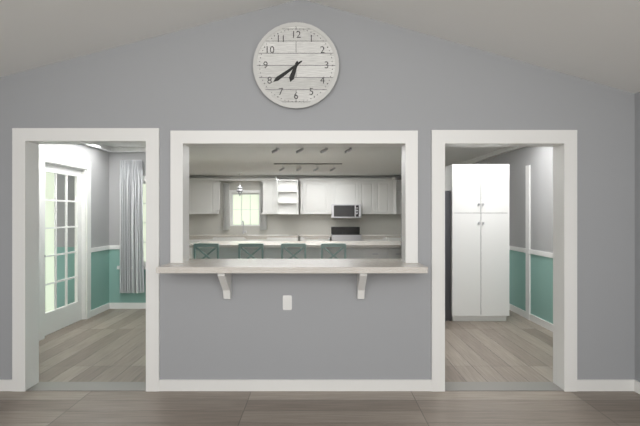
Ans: 6:39
